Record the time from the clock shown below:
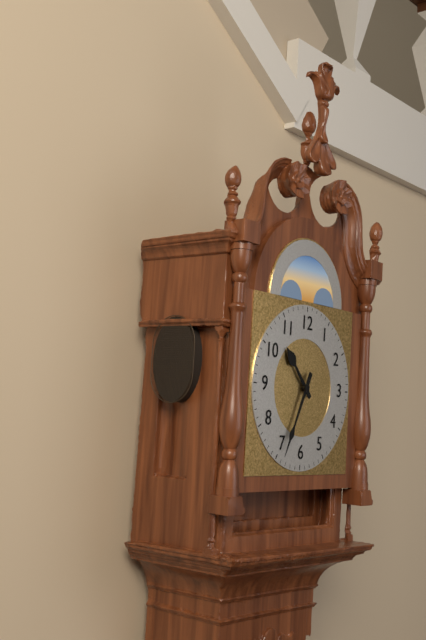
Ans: 10:34
